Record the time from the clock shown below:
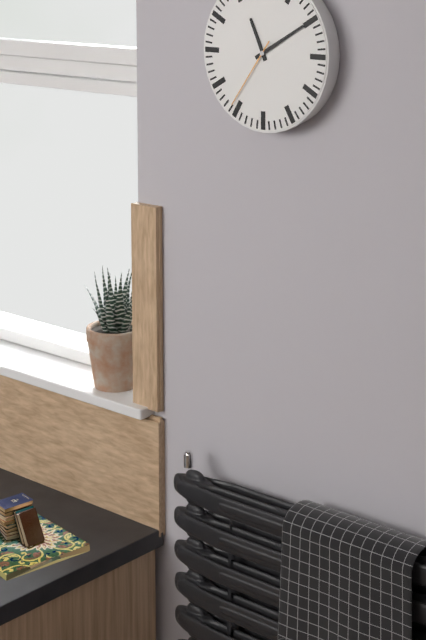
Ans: 11:10:36
